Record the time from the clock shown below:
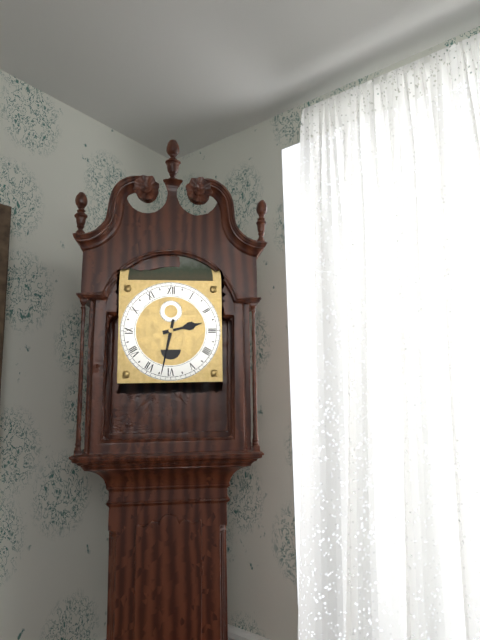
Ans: 2:32
